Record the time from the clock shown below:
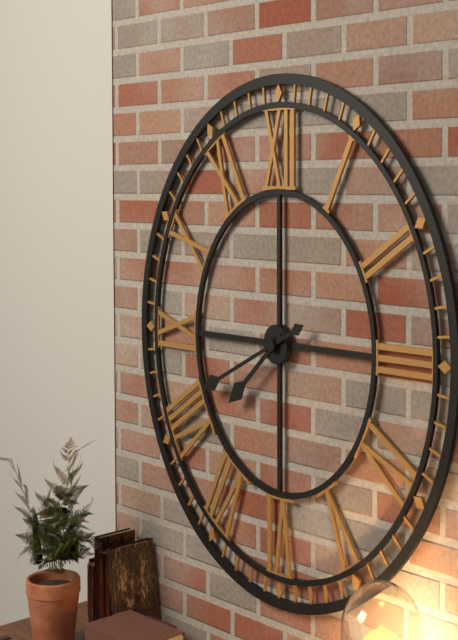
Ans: 7:41
